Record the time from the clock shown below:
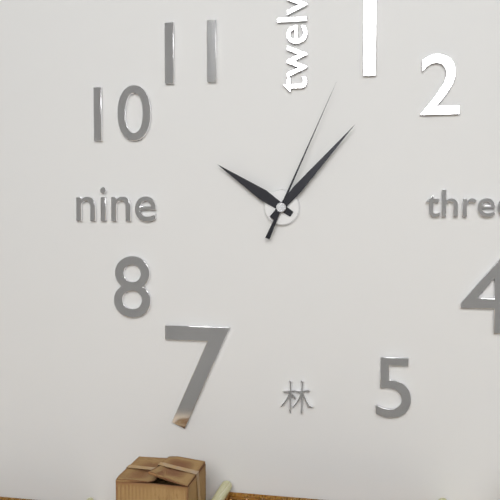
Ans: 10:07:04
